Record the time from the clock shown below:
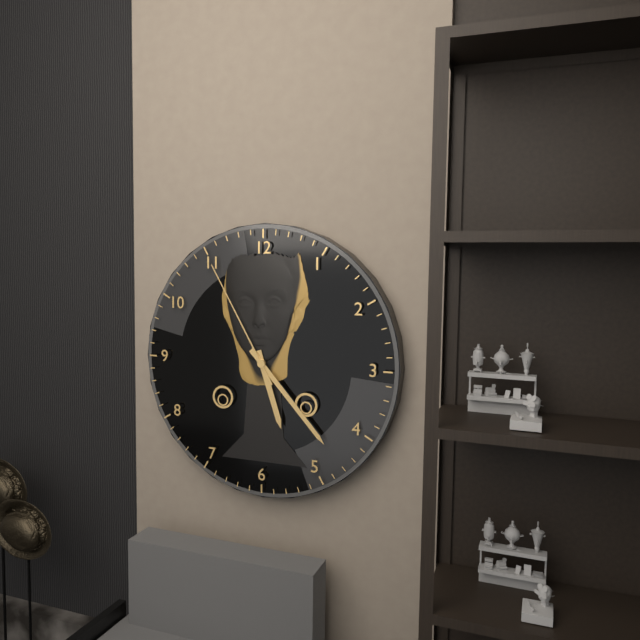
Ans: 5:23:55
